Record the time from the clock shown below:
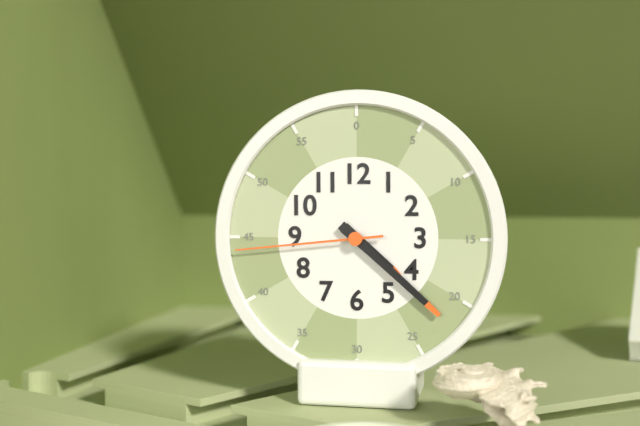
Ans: 4:22:44
